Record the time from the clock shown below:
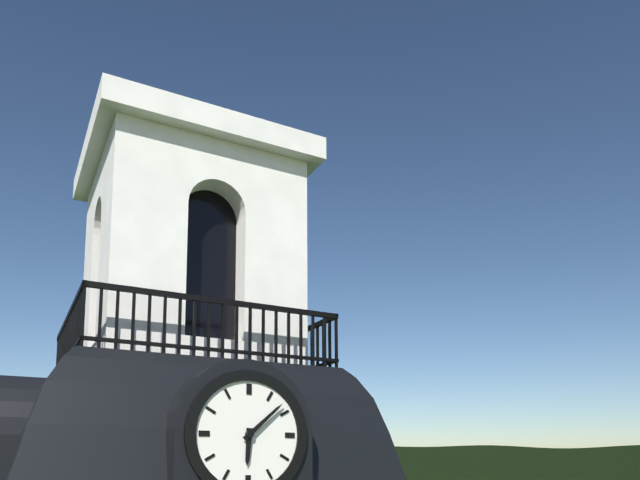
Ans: 6:08
